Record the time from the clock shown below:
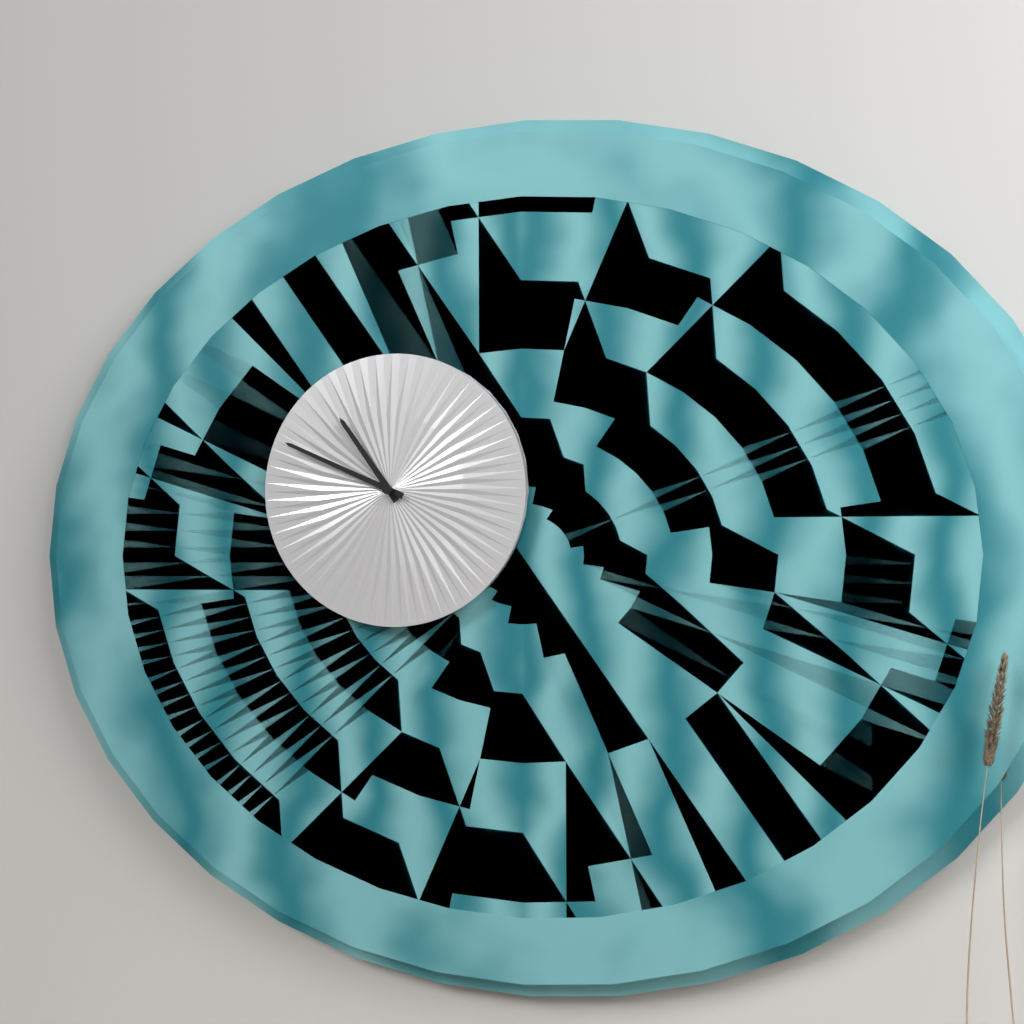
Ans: 10:49
